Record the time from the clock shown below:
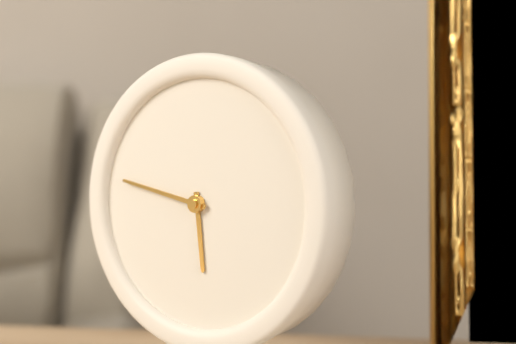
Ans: 5:47
